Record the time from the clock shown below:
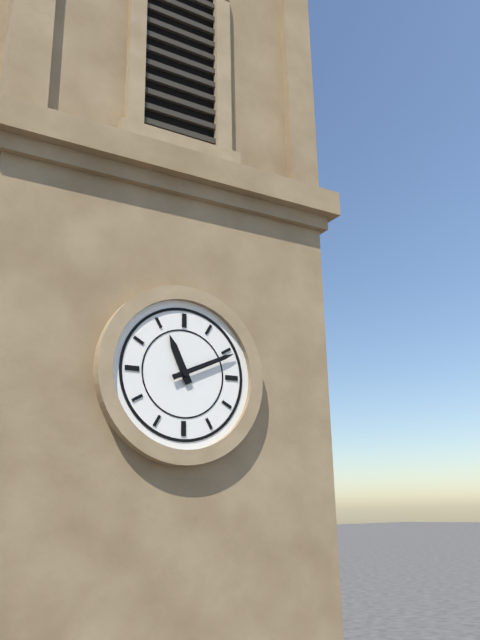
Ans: 11:11
